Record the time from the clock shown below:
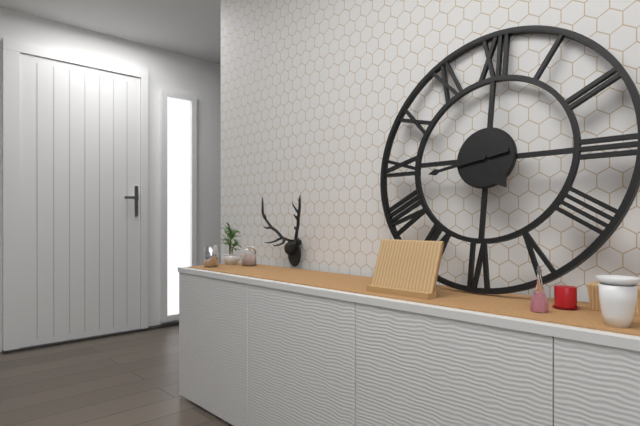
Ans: 4:43
